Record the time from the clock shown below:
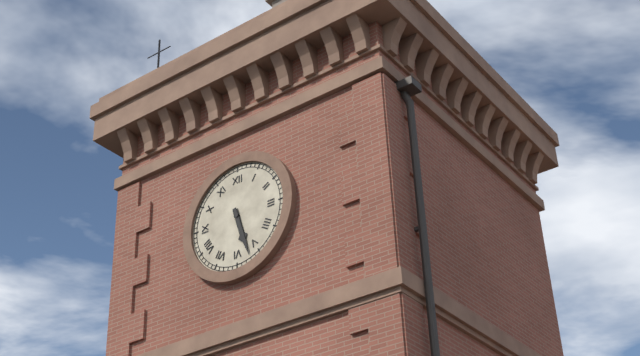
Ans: 5:27
